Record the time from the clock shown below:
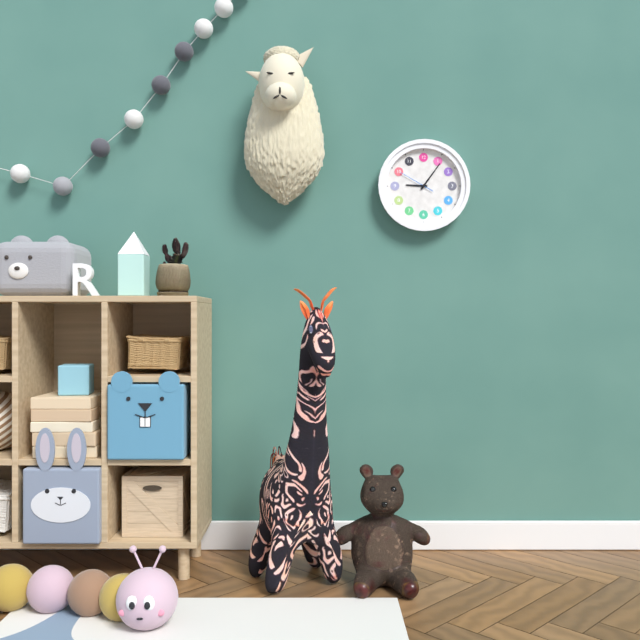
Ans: 9:06
